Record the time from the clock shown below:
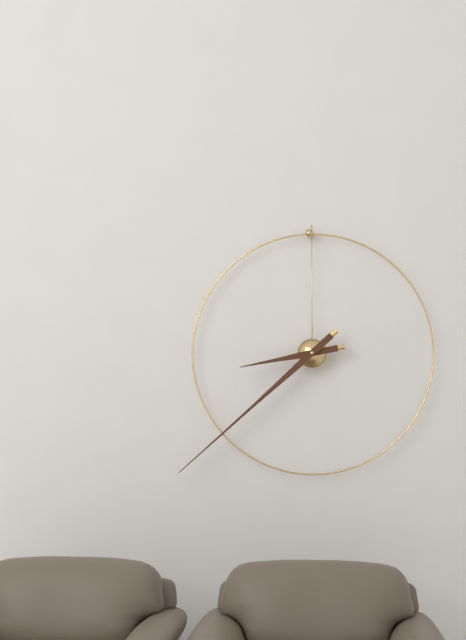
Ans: 8:38
